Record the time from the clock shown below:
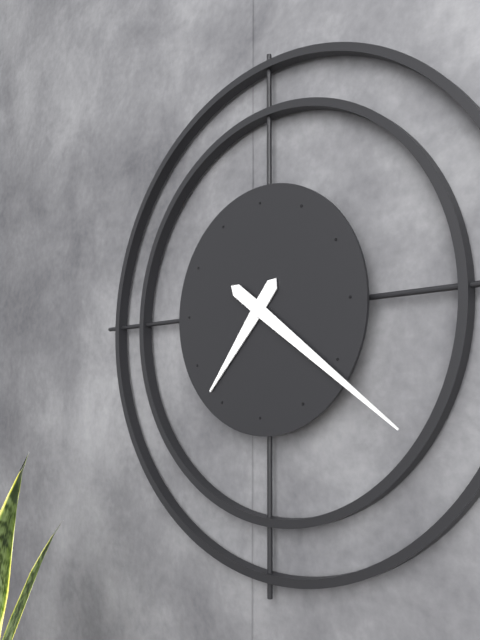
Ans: 7:21
